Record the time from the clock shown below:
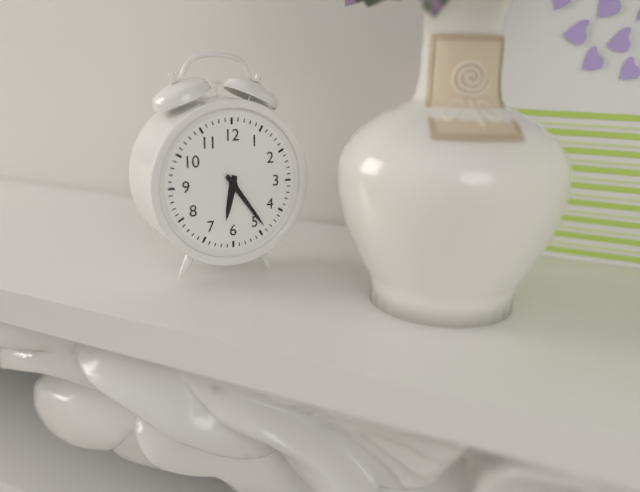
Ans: 6:24
